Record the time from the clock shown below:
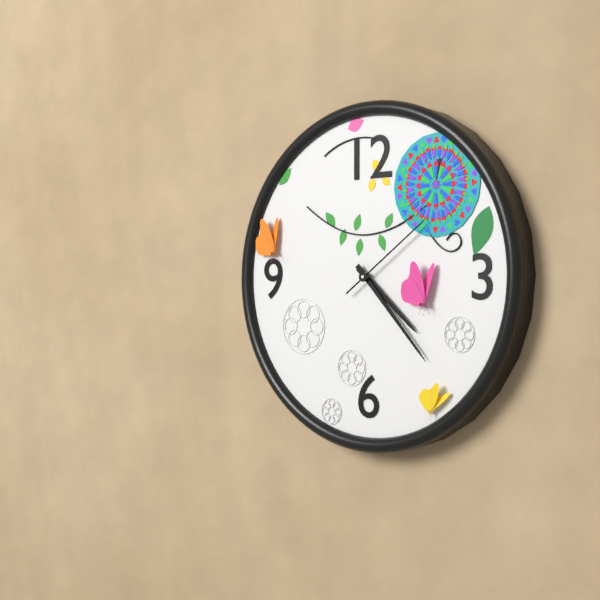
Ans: 4:23:09
